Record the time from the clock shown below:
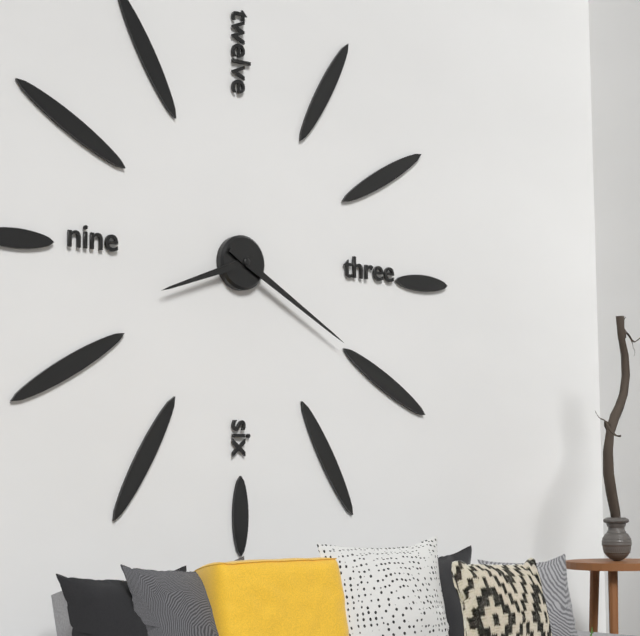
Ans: 8:20
